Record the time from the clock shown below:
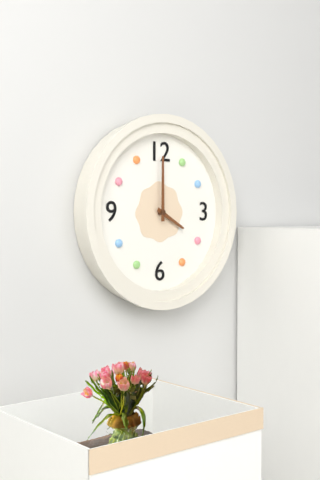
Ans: 4:00
